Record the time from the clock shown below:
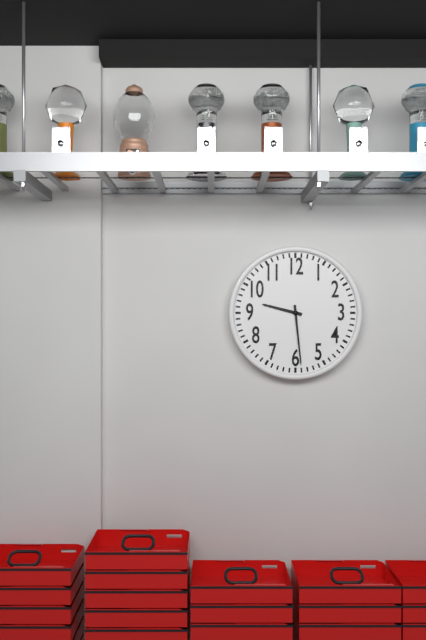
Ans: 9:29
